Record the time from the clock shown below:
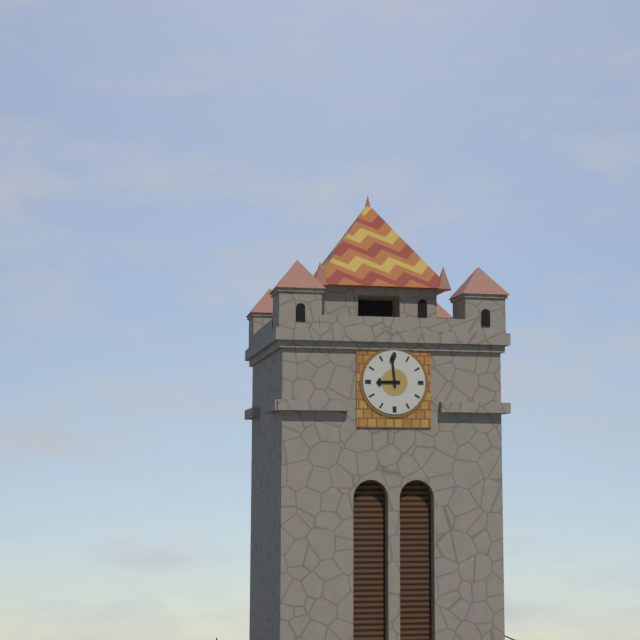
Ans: 8:59
